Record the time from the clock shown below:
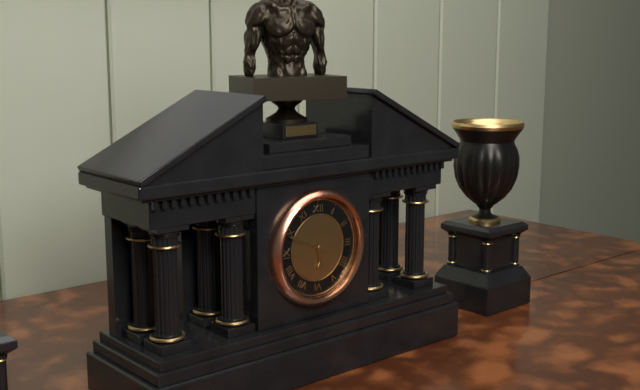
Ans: 5:49
